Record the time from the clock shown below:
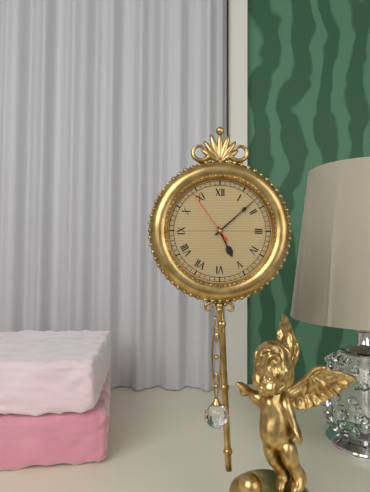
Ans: 5:08:54
